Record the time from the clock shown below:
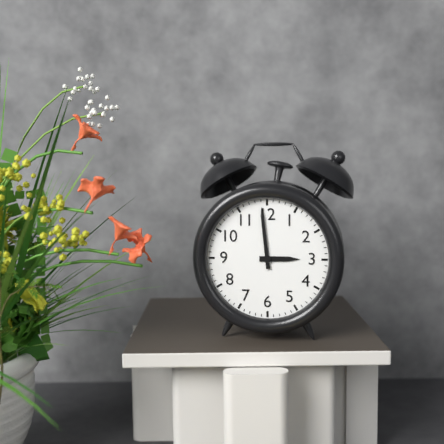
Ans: 2:59
